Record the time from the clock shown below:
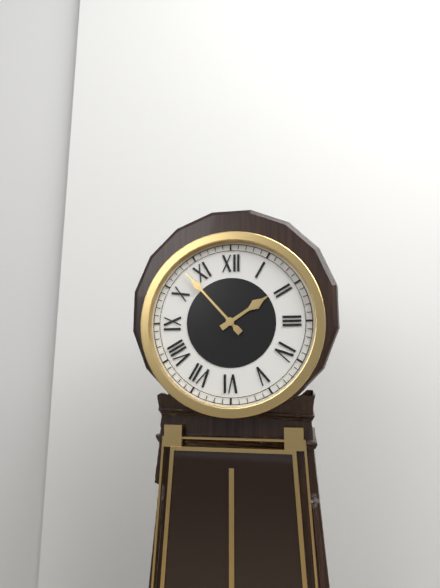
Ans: 1:53
